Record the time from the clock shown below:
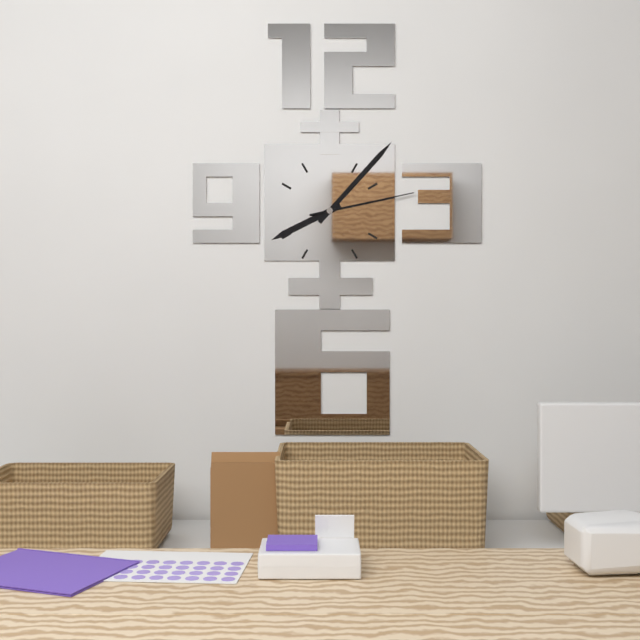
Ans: 8:07:13
